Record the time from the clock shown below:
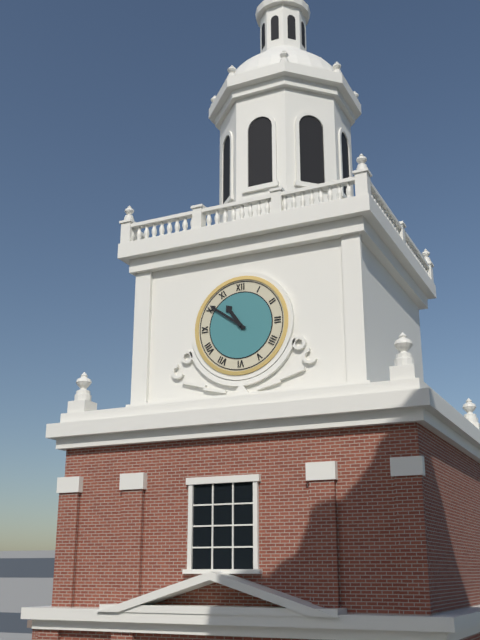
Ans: 10:51
